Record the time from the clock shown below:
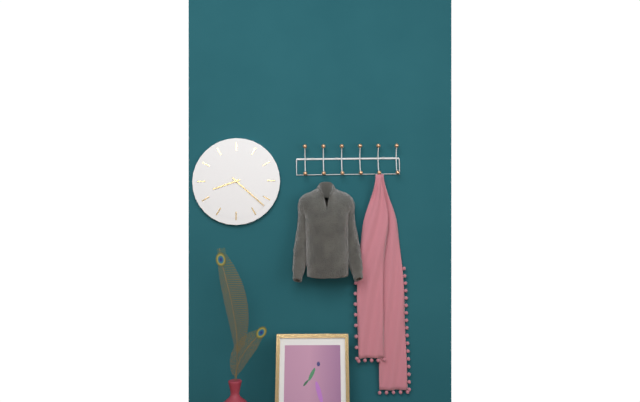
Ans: 8:22
